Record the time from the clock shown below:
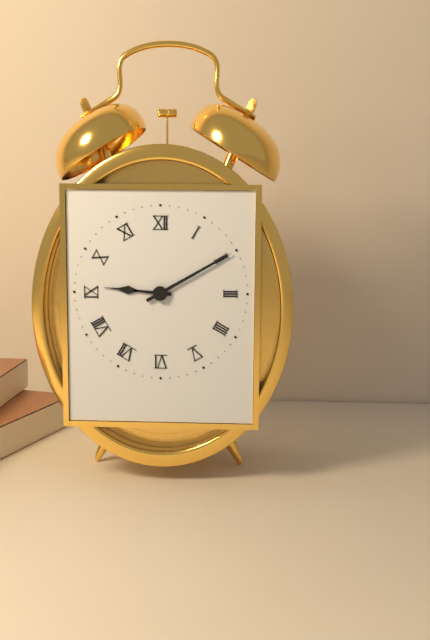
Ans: 9:10
